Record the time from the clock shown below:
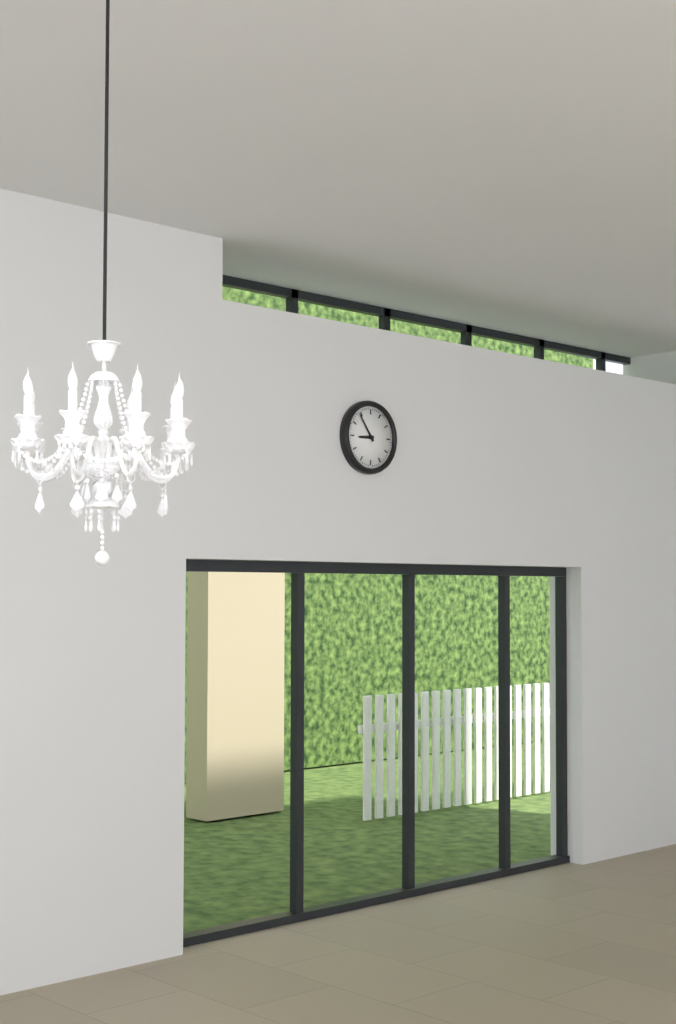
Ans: 8:54
